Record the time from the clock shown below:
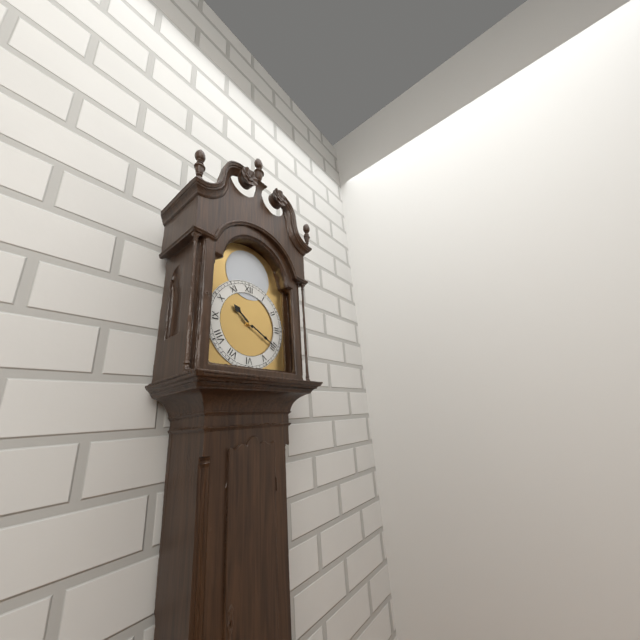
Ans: 10:20
